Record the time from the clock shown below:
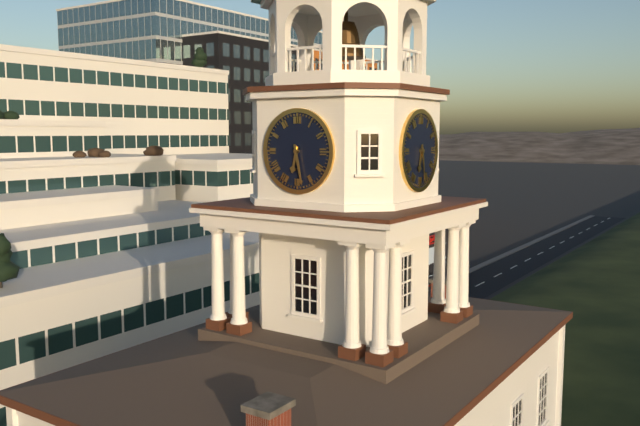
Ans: 6:28
